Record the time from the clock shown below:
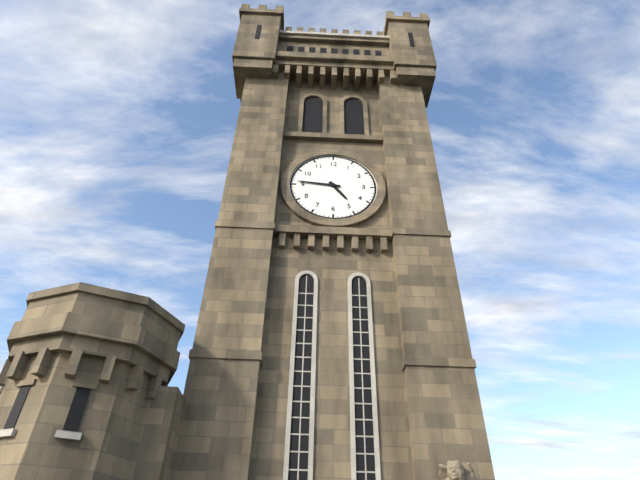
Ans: 4:46
